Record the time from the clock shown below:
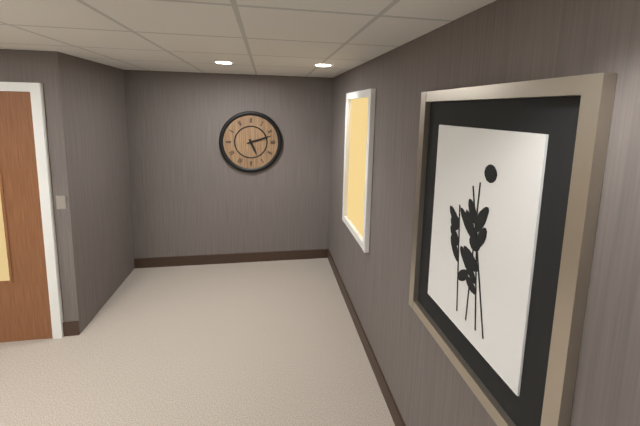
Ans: 5:12
